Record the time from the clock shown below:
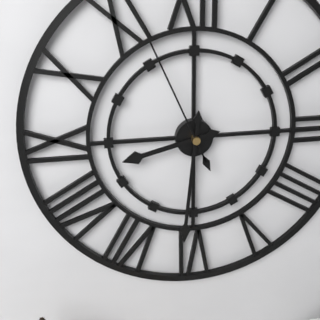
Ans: 8:31:56
